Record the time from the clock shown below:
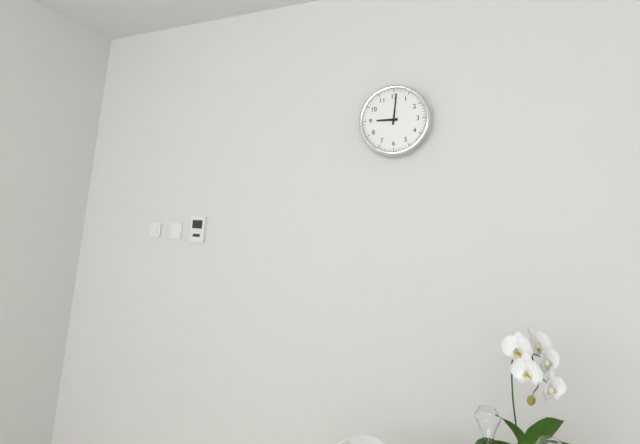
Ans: 9:01
